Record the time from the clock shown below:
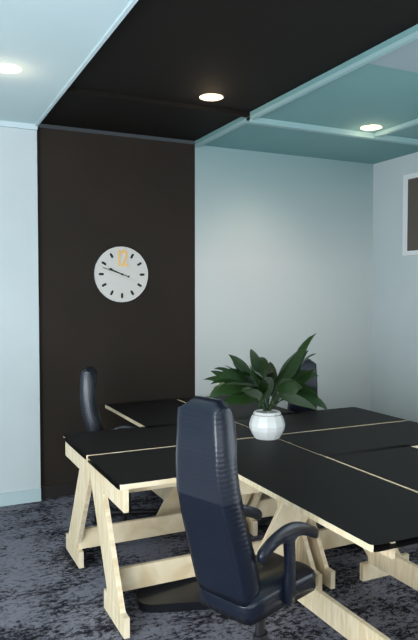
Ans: 9:48
